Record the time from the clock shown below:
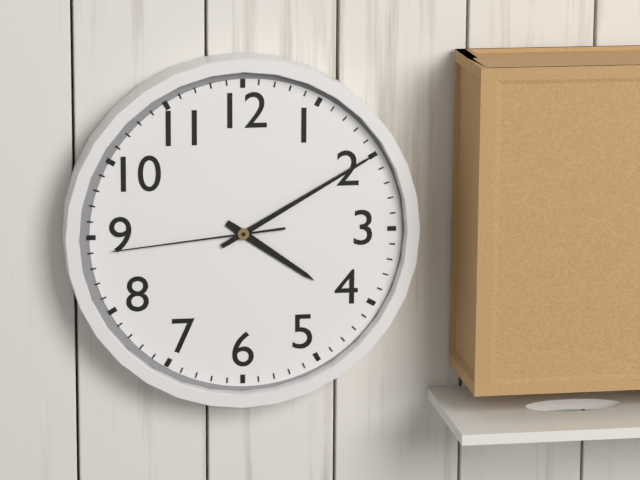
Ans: 4:10:44
